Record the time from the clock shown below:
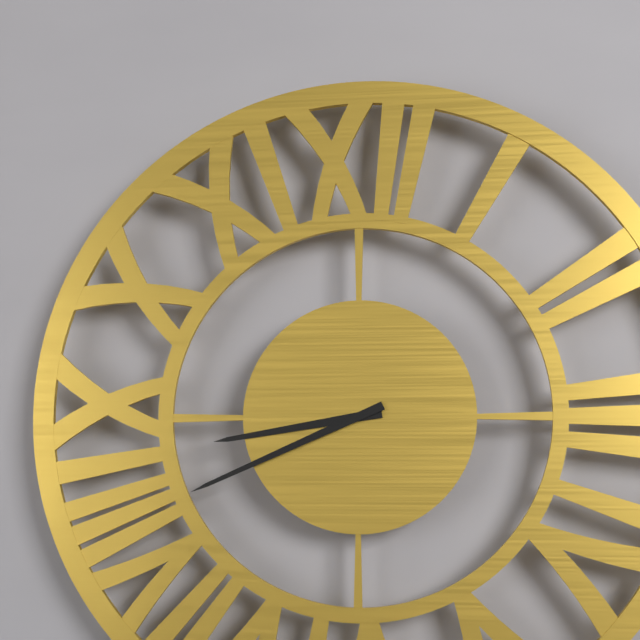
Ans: 8:41
